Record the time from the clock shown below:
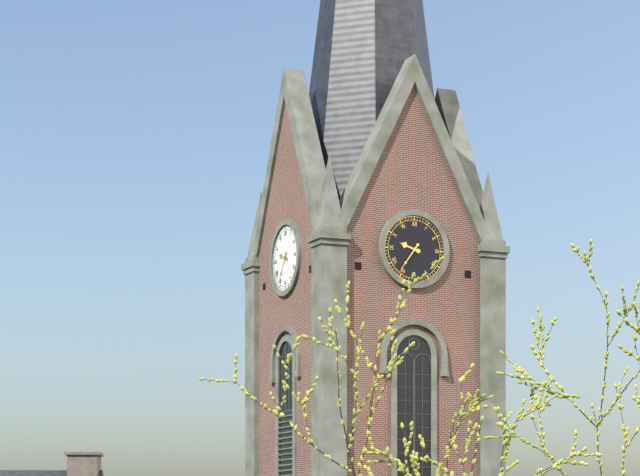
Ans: 9:36
